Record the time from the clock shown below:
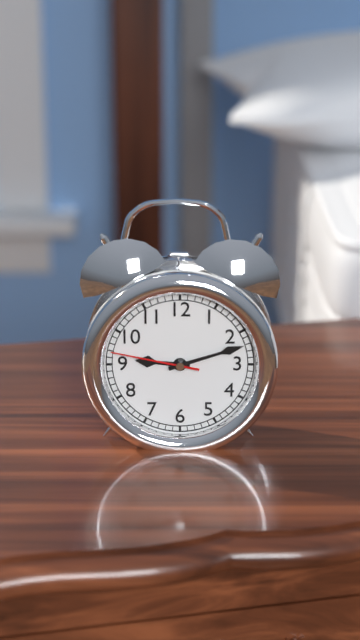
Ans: 9:12:47
